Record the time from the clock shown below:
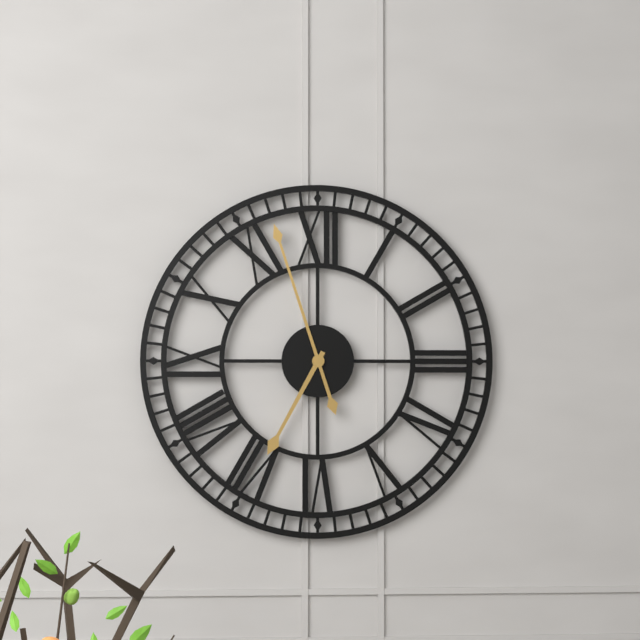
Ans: 6:57
